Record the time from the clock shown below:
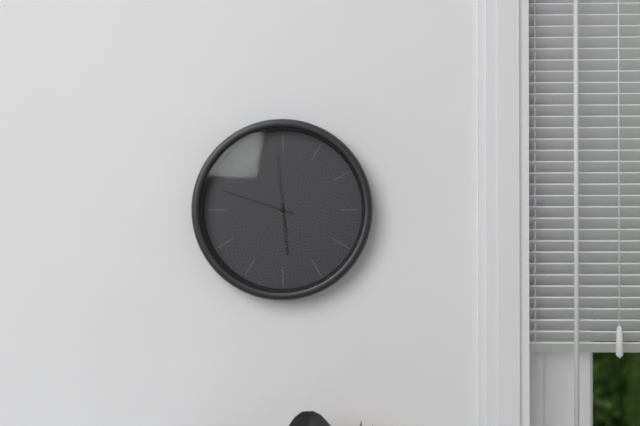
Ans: 5:48:59
